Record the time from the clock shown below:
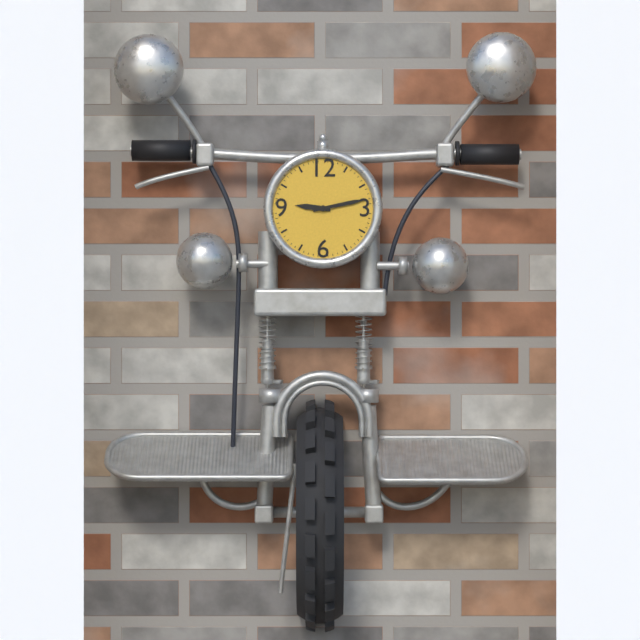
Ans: 9:13
